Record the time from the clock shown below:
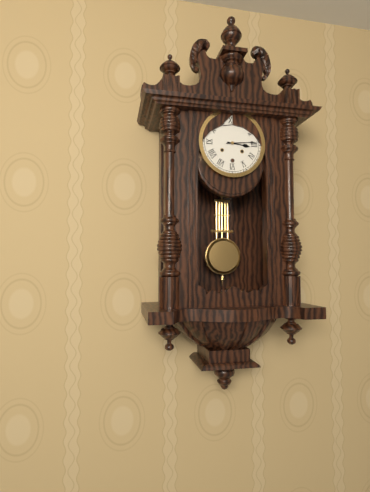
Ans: 3:14
